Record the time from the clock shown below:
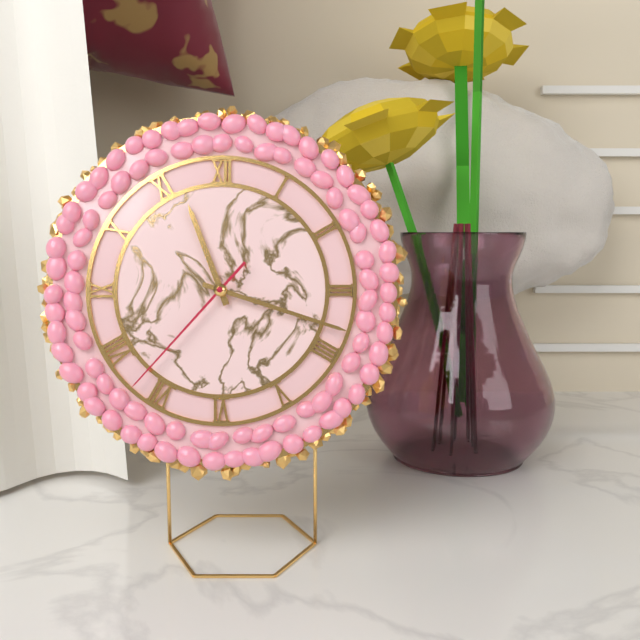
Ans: 11:18:37
